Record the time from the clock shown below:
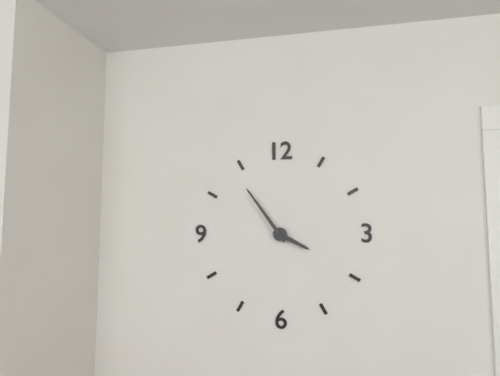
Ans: 3:54
